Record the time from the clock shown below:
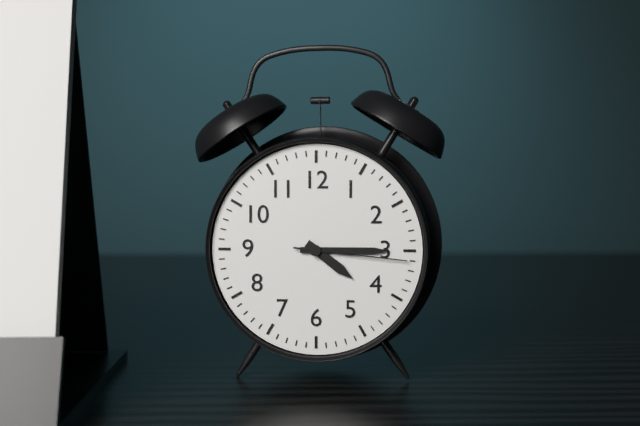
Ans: 4:15:16
